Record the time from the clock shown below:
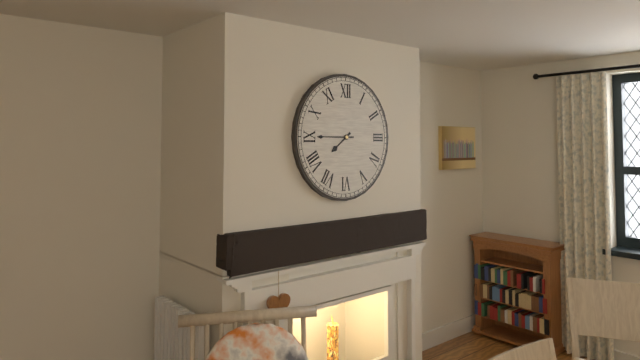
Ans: 7:45
